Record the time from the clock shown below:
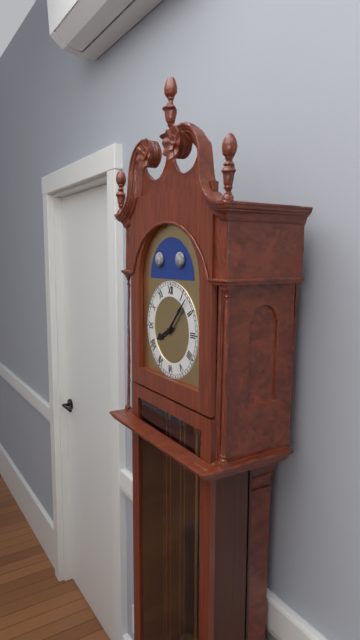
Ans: 8:07
